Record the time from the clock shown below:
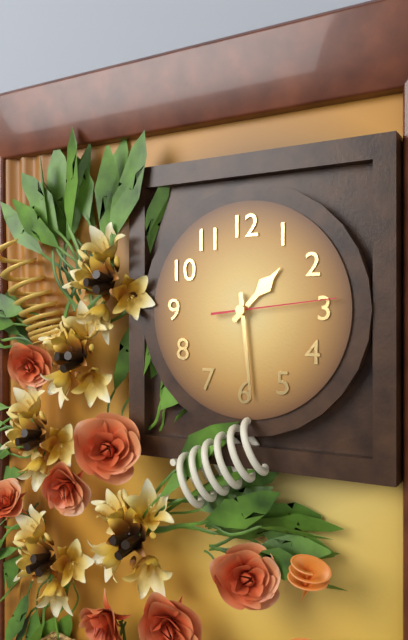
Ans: 1:29:14
